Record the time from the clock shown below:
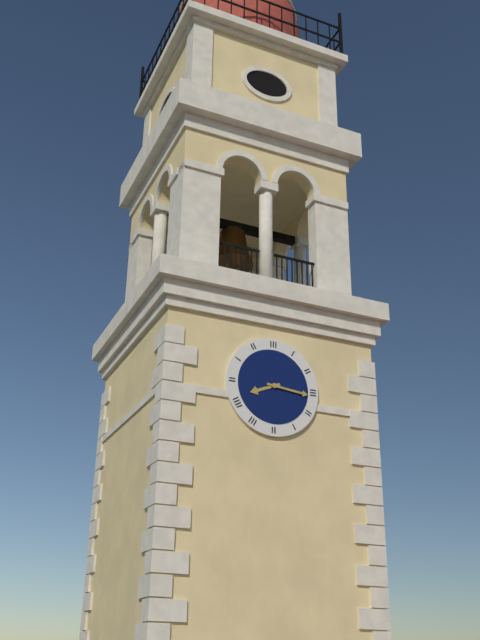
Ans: 8:16
